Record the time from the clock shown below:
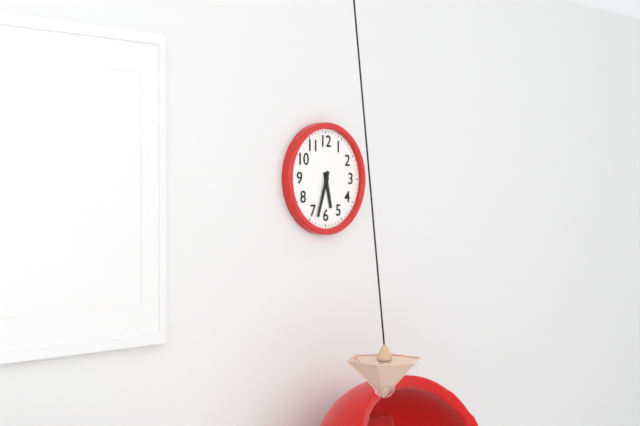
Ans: 5:33
